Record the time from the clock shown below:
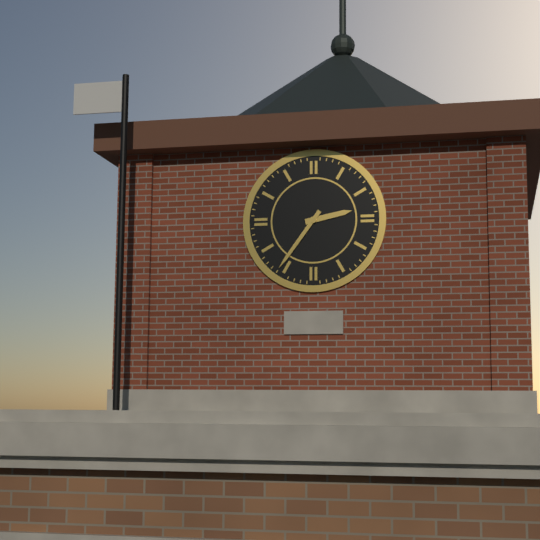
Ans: 2:36
